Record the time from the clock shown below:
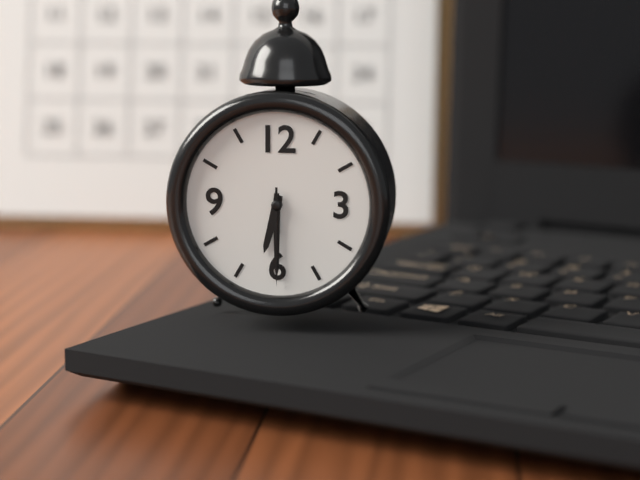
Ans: 6:30:30
